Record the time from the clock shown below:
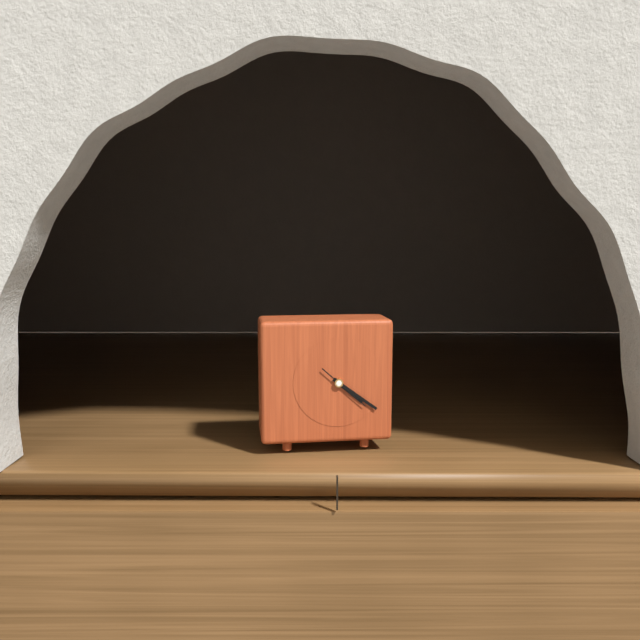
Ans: 4:21
